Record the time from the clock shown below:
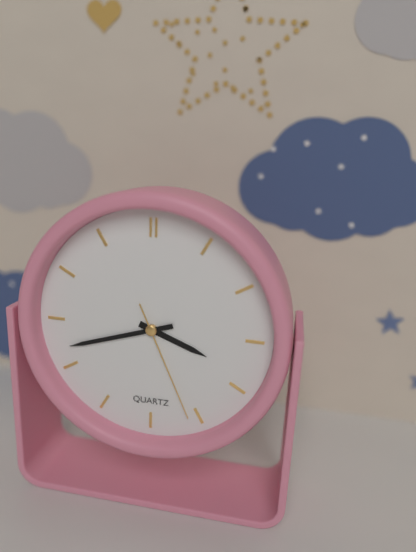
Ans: 3:42:26
